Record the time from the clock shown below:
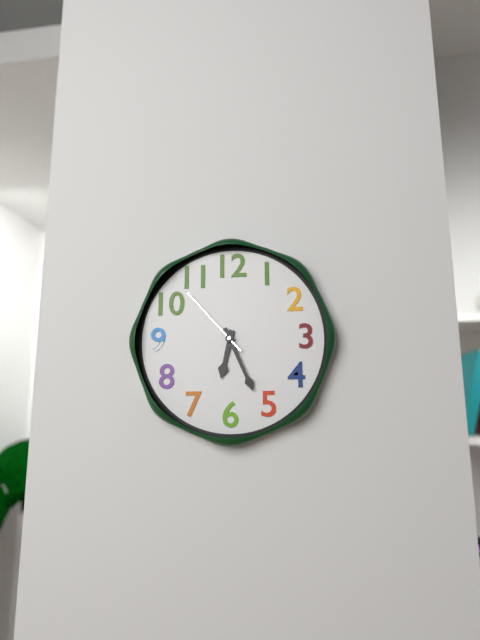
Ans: 6:26:53
